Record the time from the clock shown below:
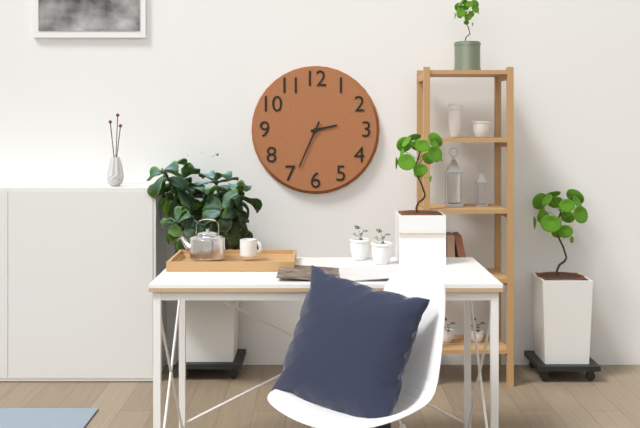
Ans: 2:34
